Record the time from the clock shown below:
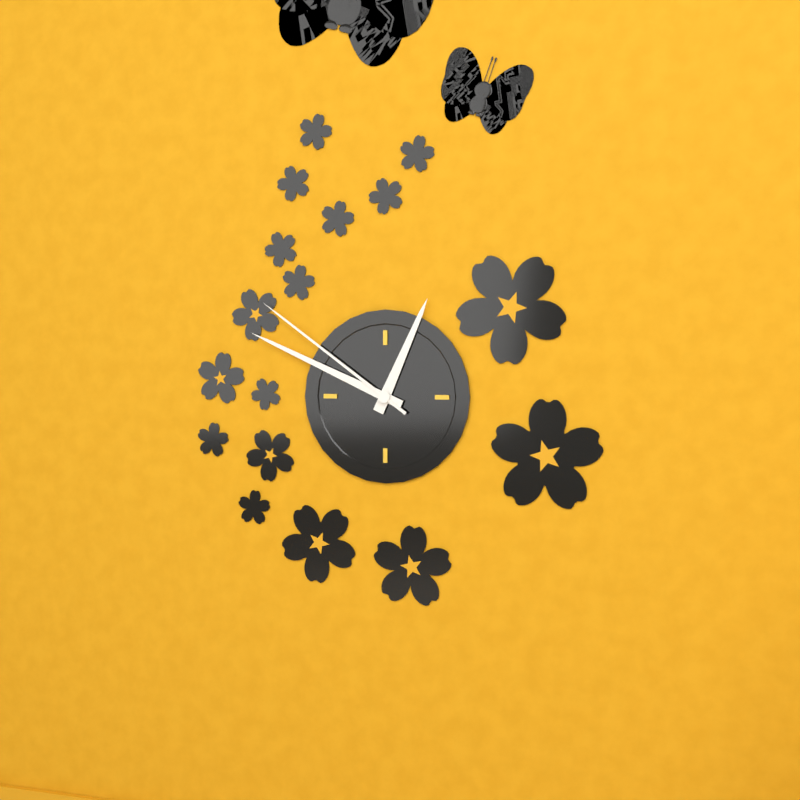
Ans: 12:49:51
